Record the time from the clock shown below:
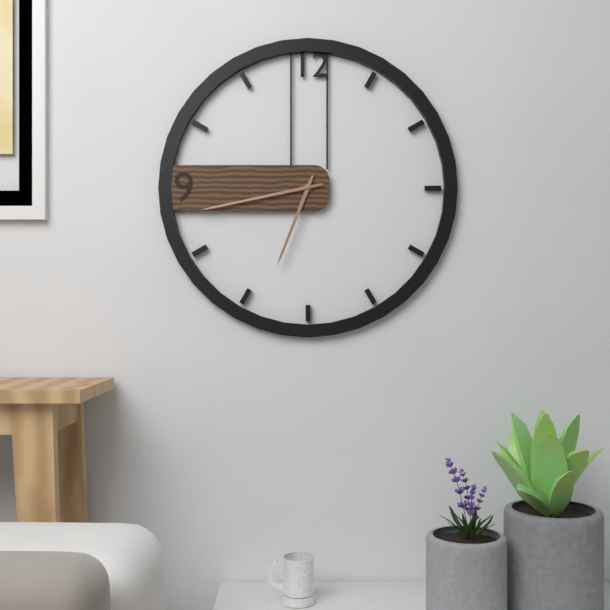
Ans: 6:43
